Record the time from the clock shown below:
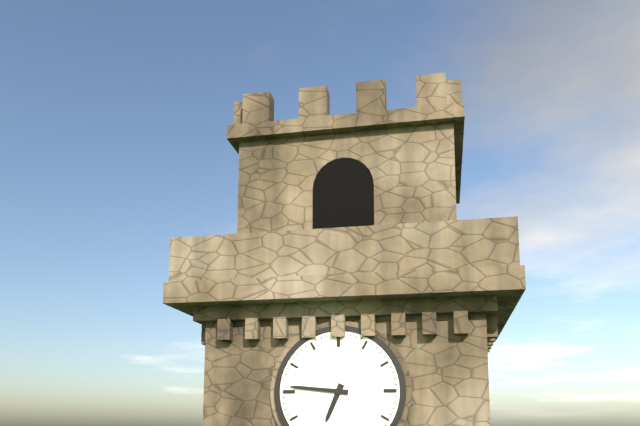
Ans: 6:46
